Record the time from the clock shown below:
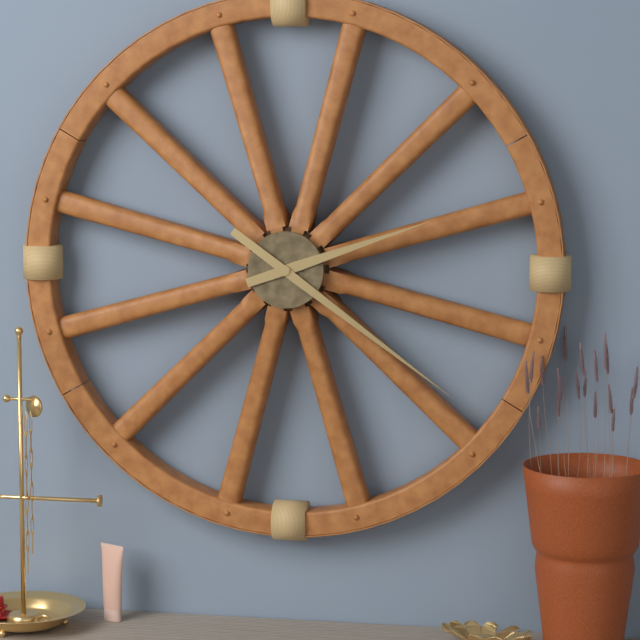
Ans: 2:21
